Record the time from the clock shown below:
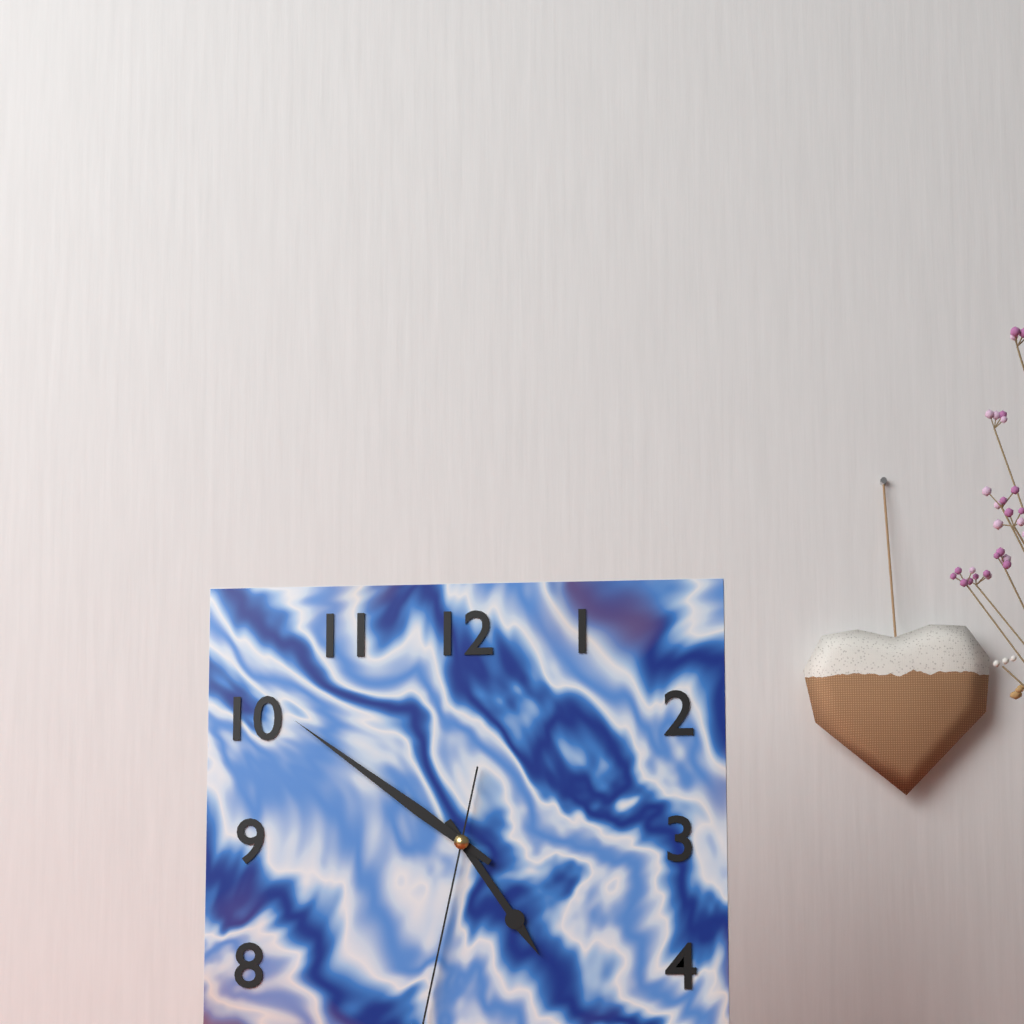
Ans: 4:51
